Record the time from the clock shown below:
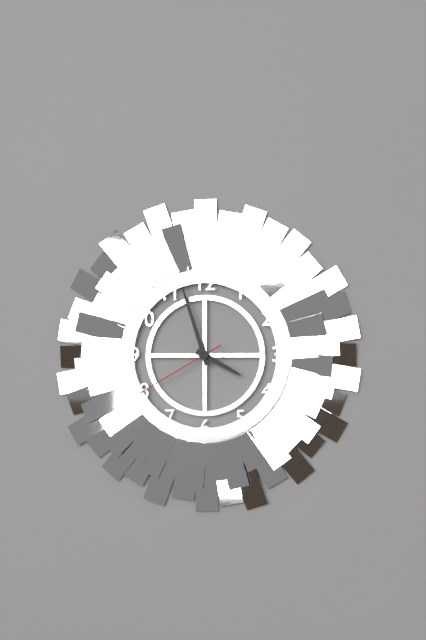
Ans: 3:57:40
